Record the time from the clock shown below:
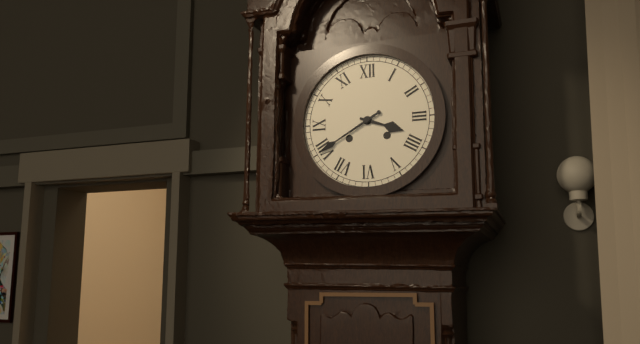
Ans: 3:40
